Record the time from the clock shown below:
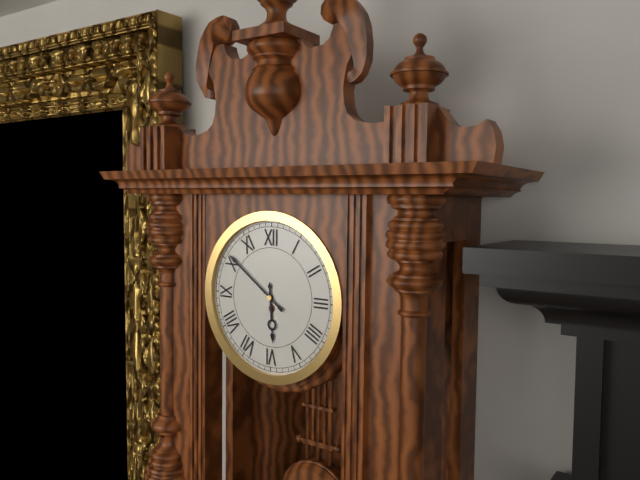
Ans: 5:51
